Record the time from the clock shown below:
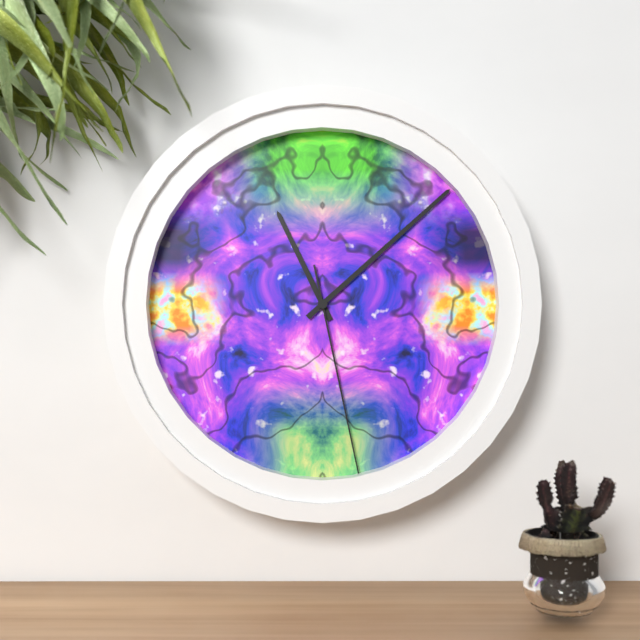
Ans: 11:08:28
